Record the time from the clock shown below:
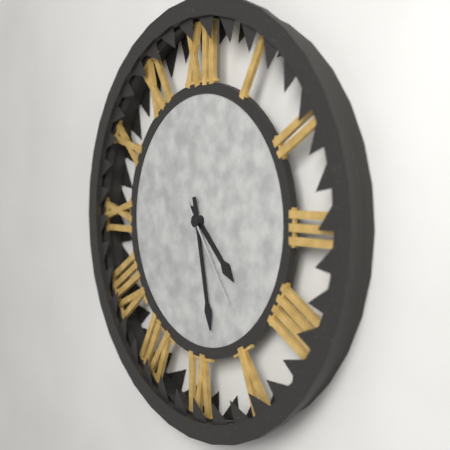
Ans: 4:28:24
